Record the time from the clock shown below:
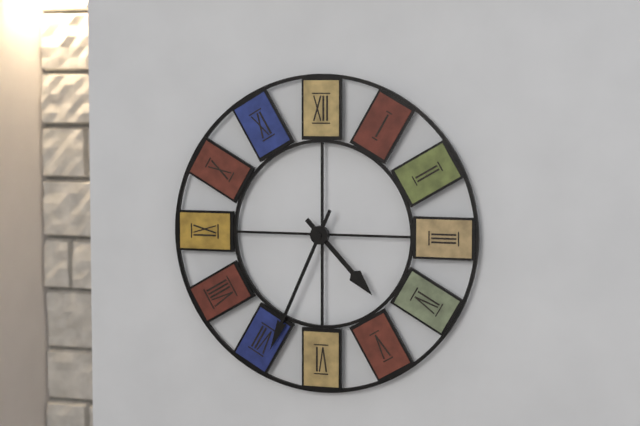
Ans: 4:34
